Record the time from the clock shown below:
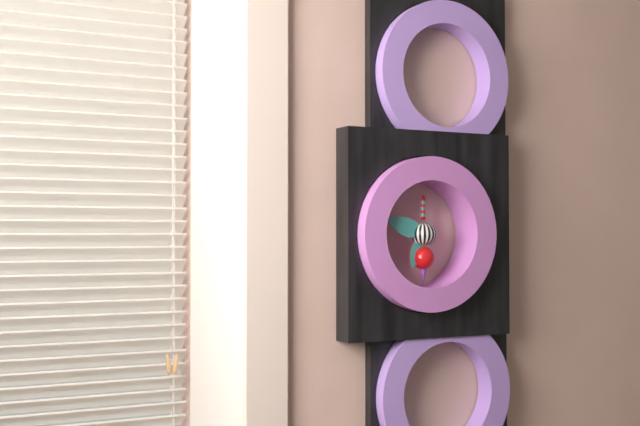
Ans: 6:48
